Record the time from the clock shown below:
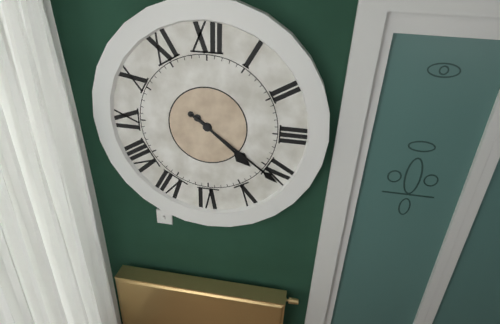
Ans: 4:21
